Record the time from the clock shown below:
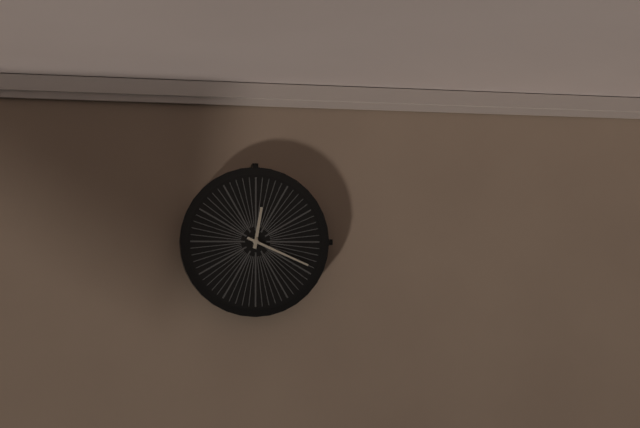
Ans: 12:19
